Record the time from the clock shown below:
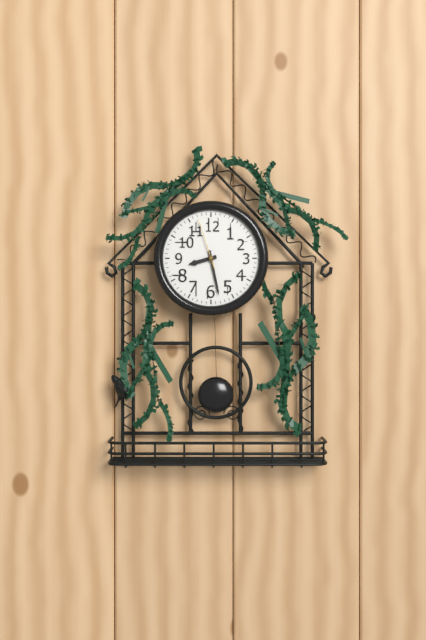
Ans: 8:28:57
